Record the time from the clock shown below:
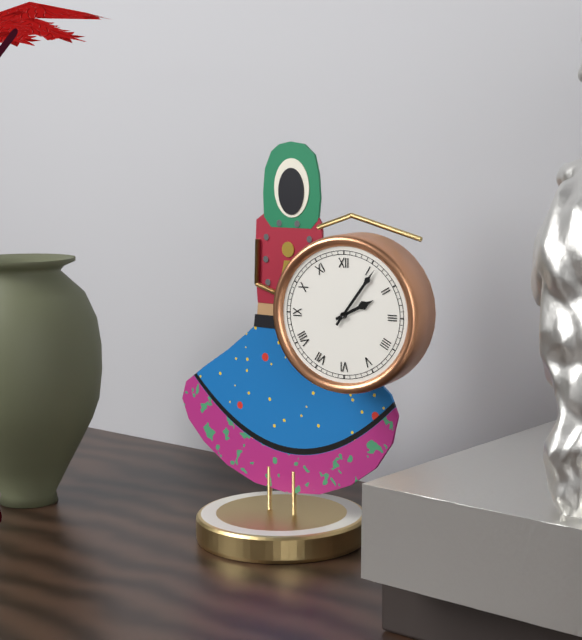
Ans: 2:06
